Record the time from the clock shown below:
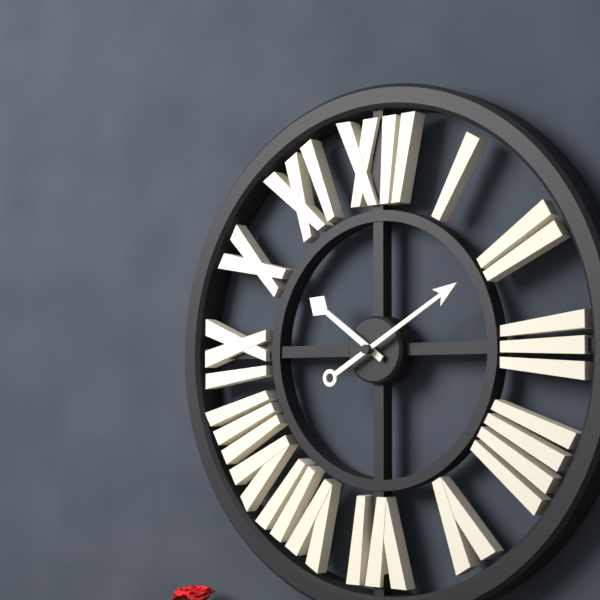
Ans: 10:10
